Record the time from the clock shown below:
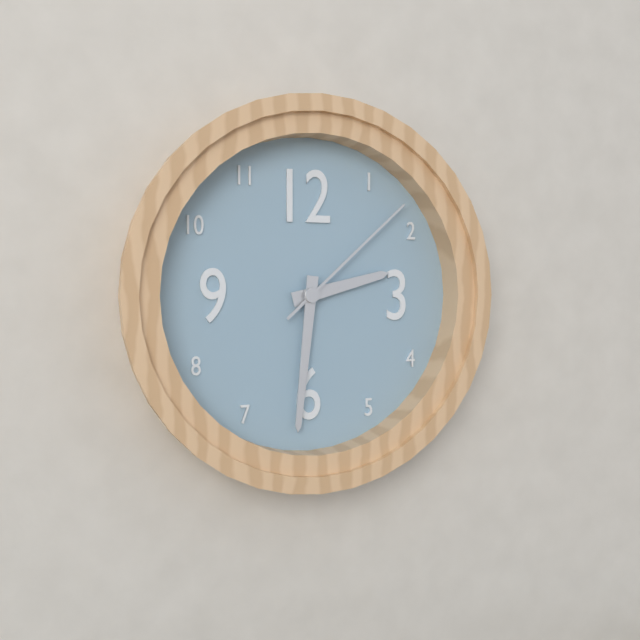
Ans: 2:31:08
